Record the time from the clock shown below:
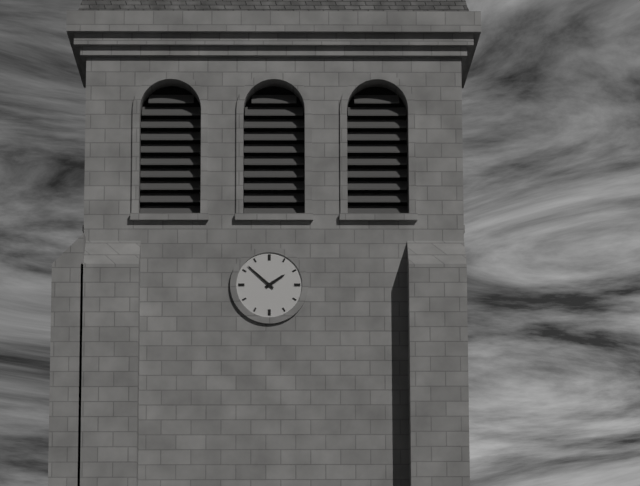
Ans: 1:52
